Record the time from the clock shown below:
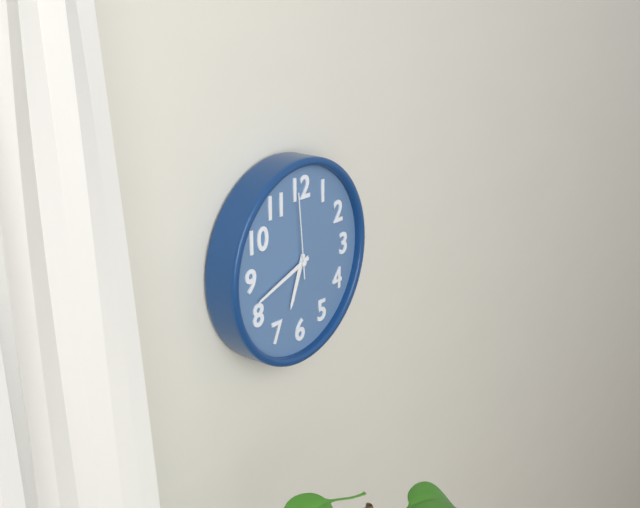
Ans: 6:42:59
